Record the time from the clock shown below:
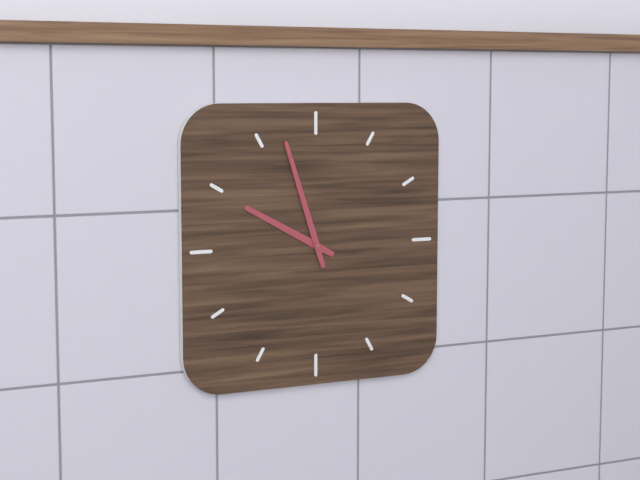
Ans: 9:57
